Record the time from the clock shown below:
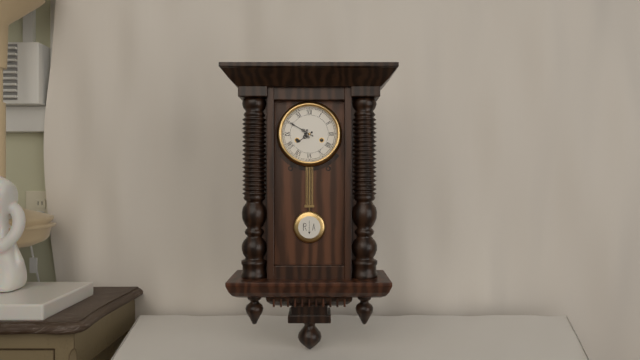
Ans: 7:50
